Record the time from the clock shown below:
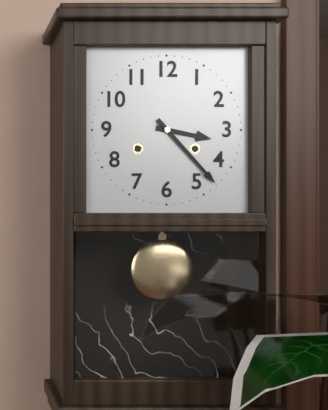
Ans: 3:23
